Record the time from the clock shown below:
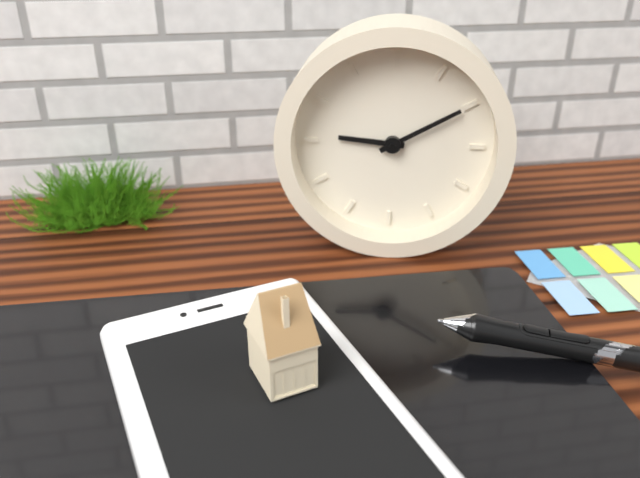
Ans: 9:10
